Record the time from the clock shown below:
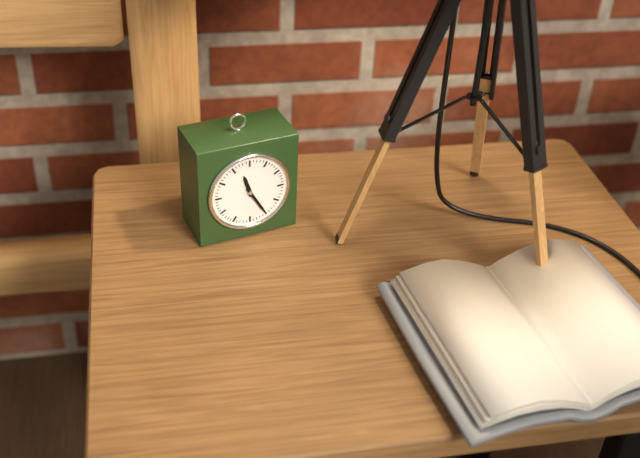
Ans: 11:25
